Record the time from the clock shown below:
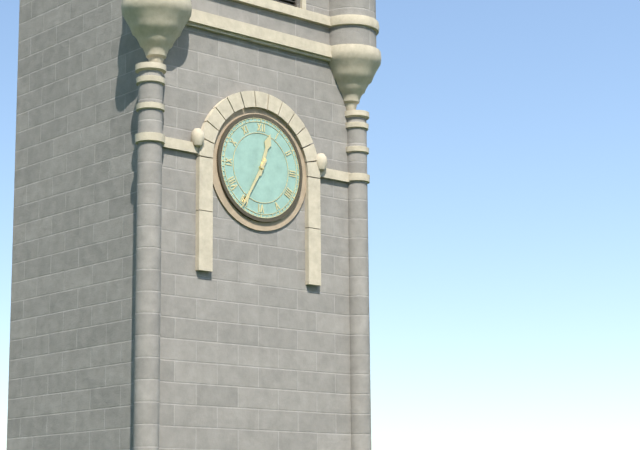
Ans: 12:35
